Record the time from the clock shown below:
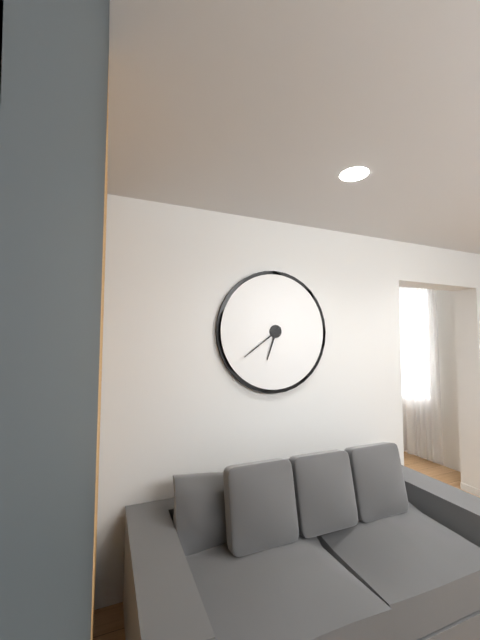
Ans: 6:39
